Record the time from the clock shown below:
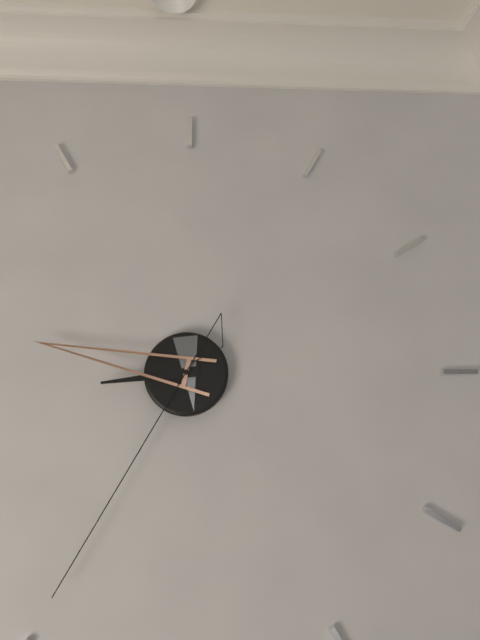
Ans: 8:47:35
